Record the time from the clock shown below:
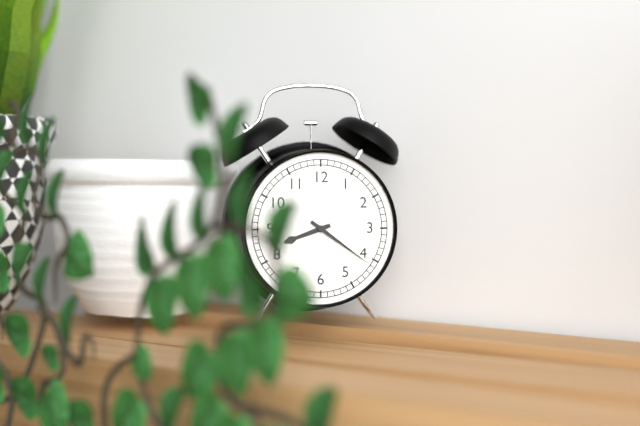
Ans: 8:21
